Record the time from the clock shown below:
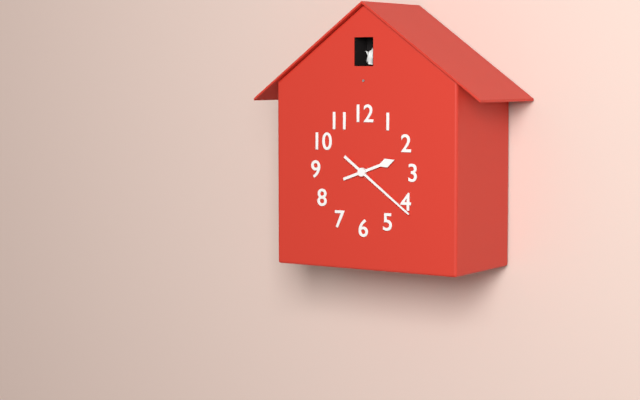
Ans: 2:21
